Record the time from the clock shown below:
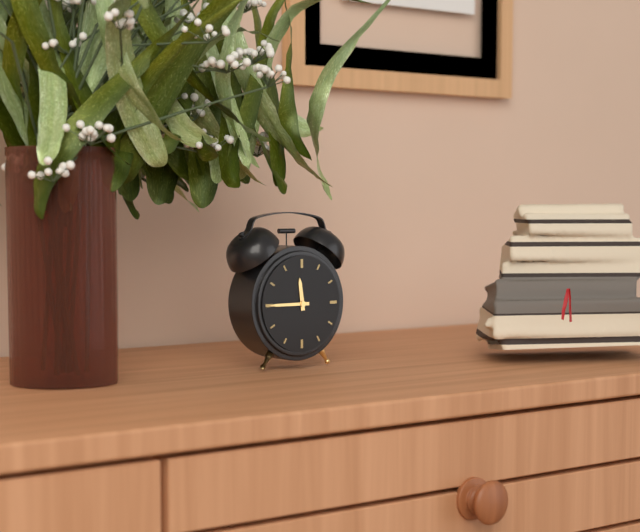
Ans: 11:45
